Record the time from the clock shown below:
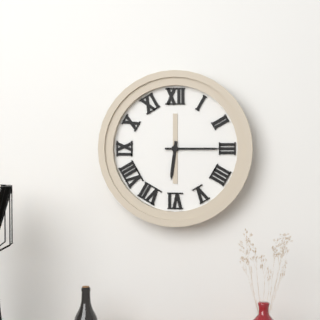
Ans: 6:15
